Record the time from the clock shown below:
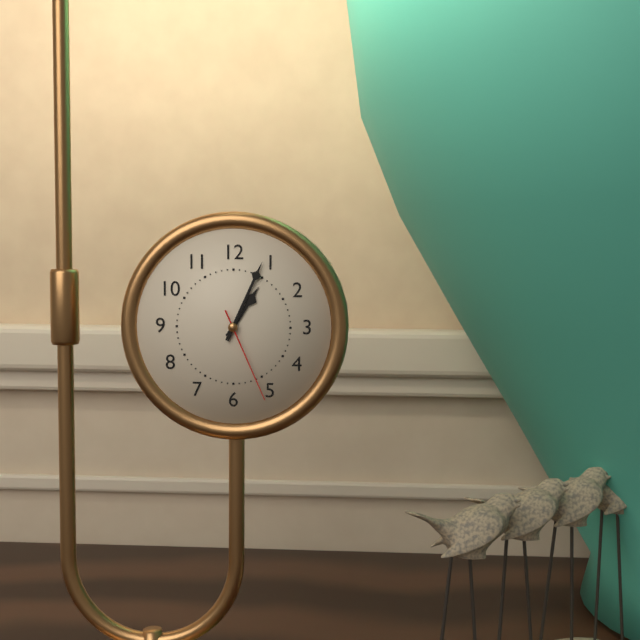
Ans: 1:04:26
